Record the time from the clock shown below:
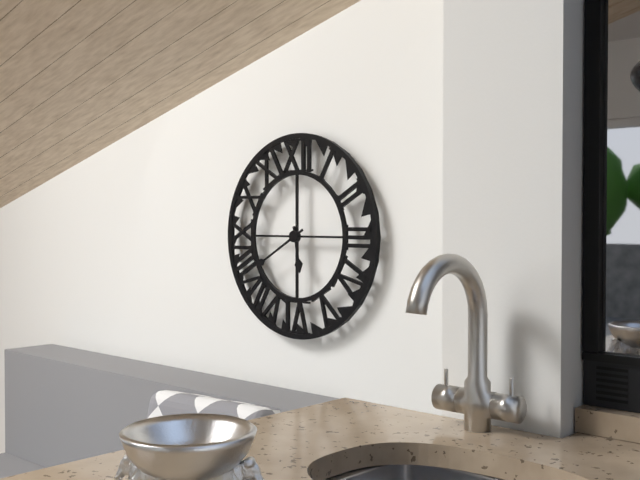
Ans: 5:40
